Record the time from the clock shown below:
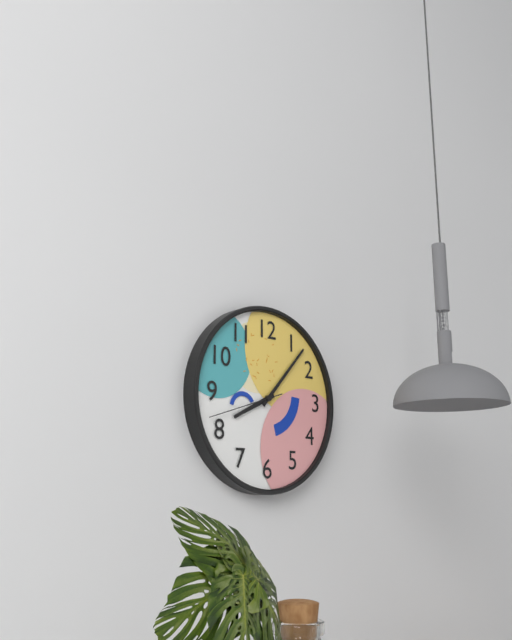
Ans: 8:07:42
